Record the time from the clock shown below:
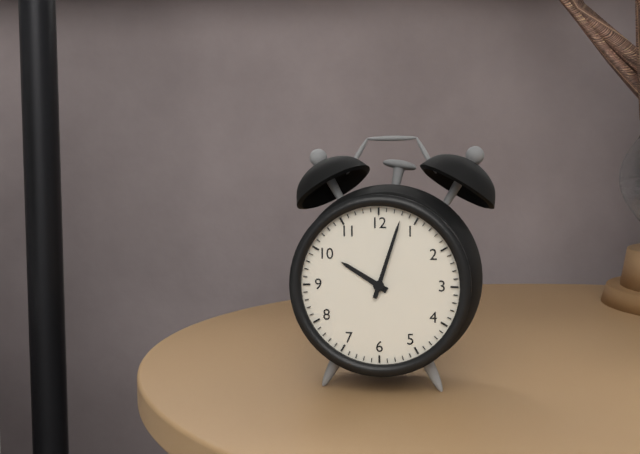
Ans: 10:03
